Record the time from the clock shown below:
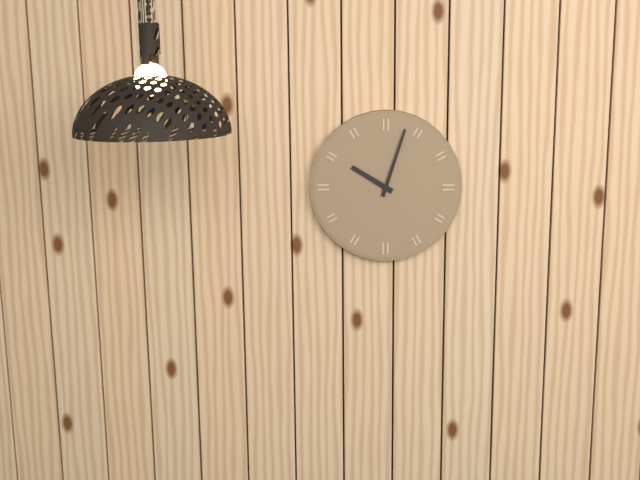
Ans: 10:03
